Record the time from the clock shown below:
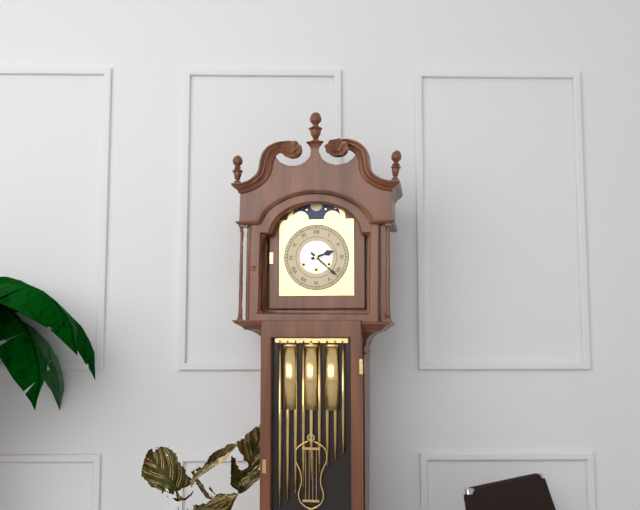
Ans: 2:22
